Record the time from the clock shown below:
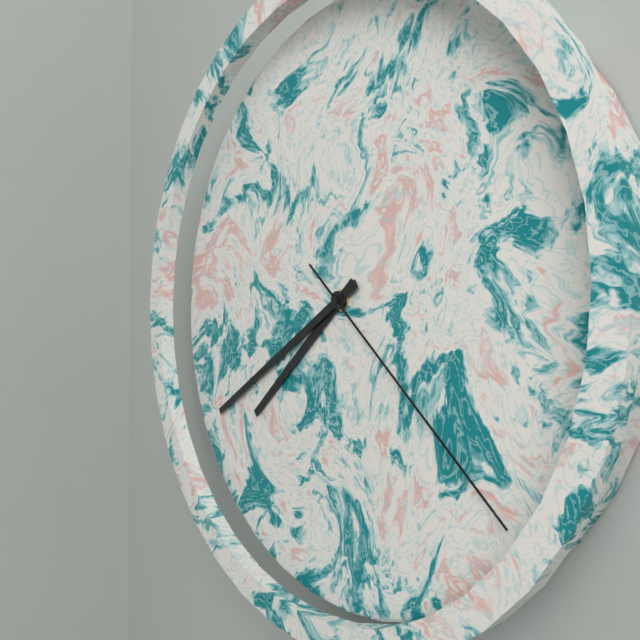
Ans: 7:40:22
